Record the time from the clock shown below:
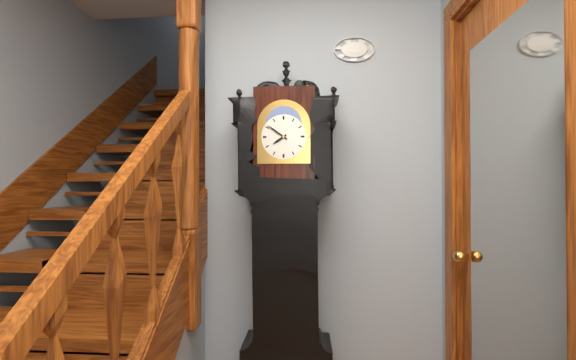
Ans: 7:51
